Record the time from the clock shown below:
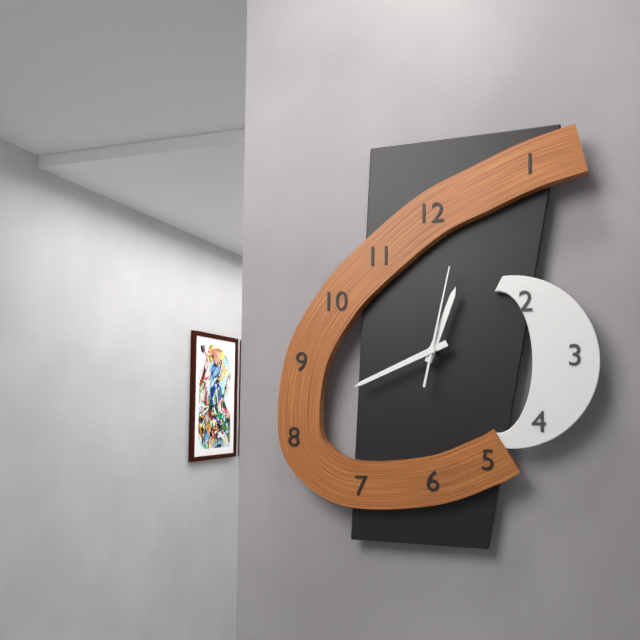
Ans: 12:41:02
